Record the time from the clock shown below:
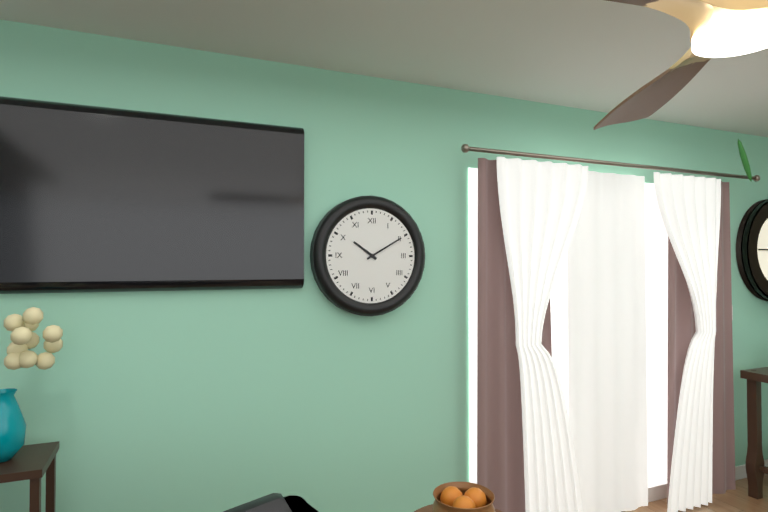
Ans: 10:10
